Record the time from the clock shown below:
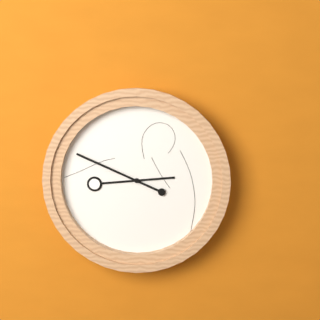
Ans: 2:49
